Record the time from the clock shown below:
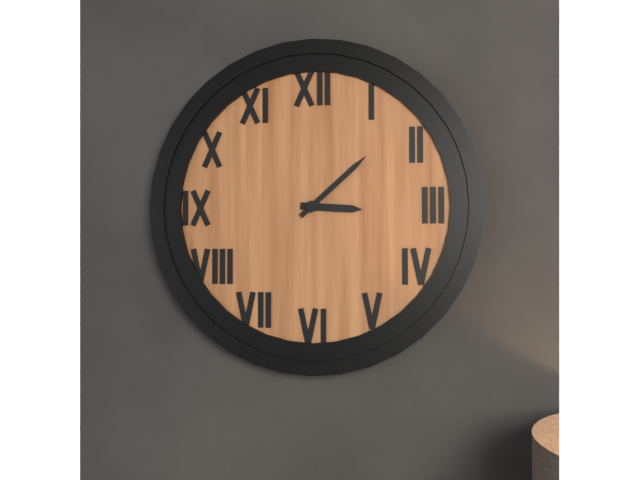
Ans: 3:08
